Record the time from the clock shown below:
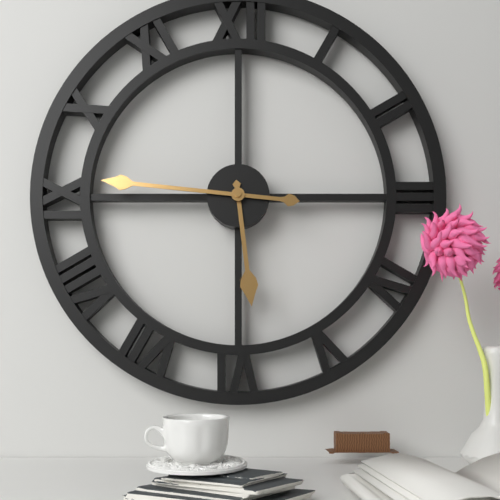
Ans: 5:46
